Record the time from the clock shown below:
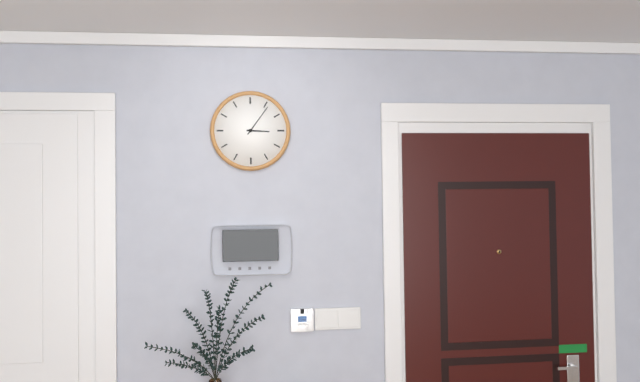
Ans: 3:06
